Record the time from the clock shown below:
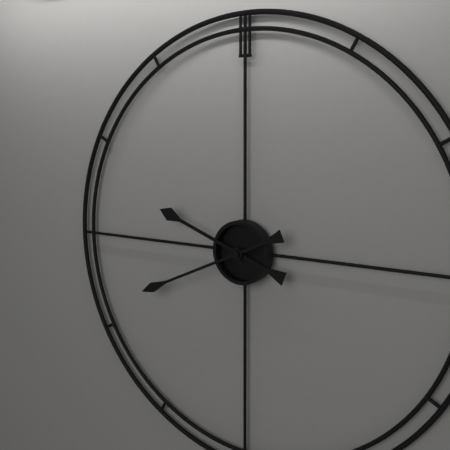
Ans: 9:41
